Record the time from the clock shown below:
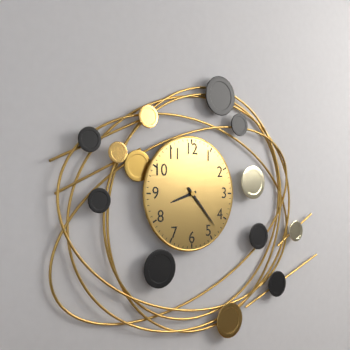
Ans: 8:23
